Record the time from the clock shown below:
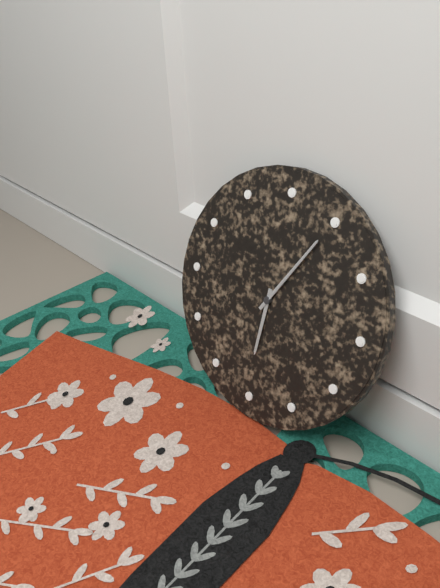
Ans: 6:05
